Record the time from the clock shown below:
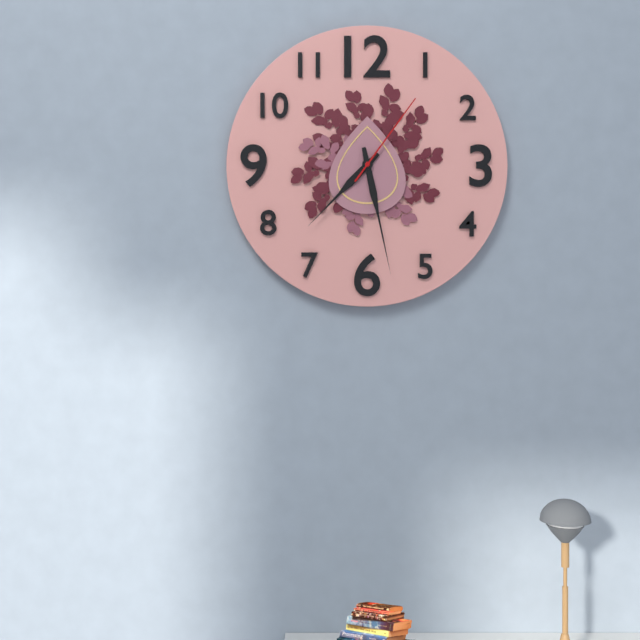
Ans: 7:28:06
